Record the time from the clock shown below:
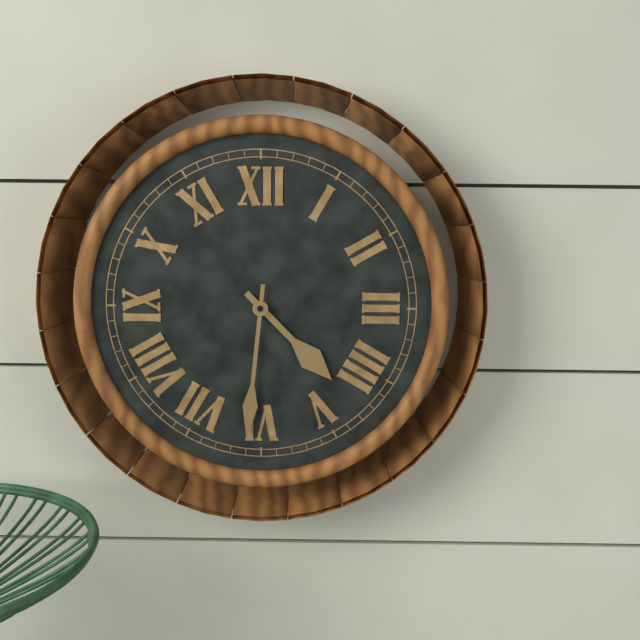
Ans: 4:31
